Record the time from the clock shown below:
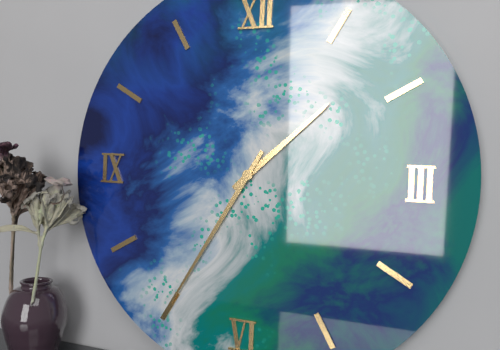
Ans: 1:35
